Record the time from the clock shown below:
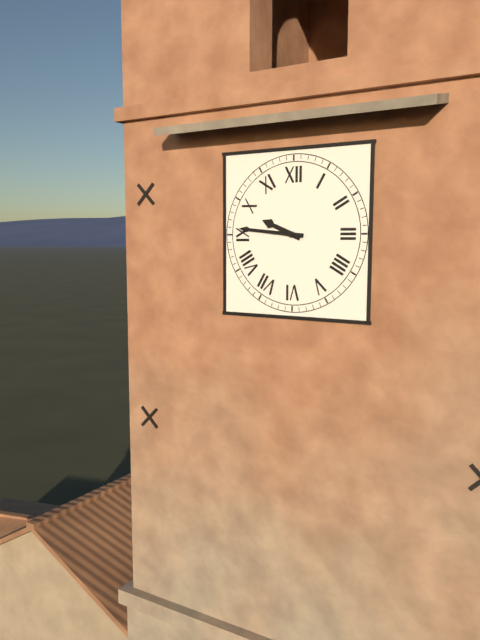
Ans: 9:46
